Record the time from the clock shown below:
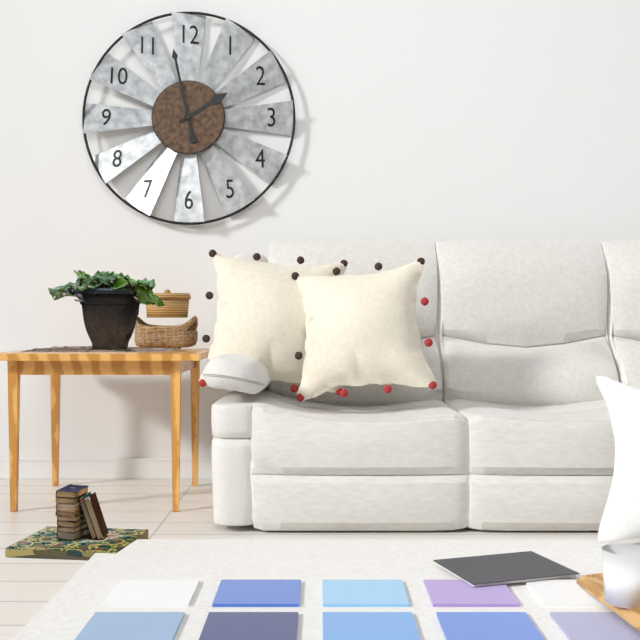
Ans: 1:58
